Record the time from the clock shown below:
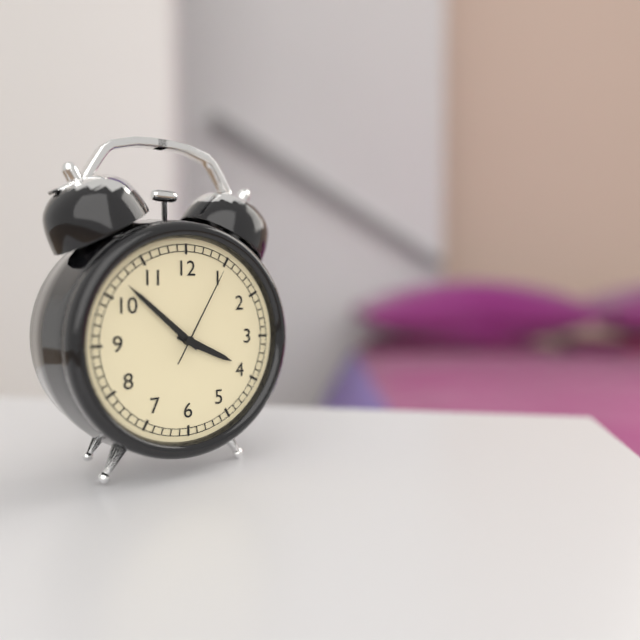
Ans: 3:52:05
